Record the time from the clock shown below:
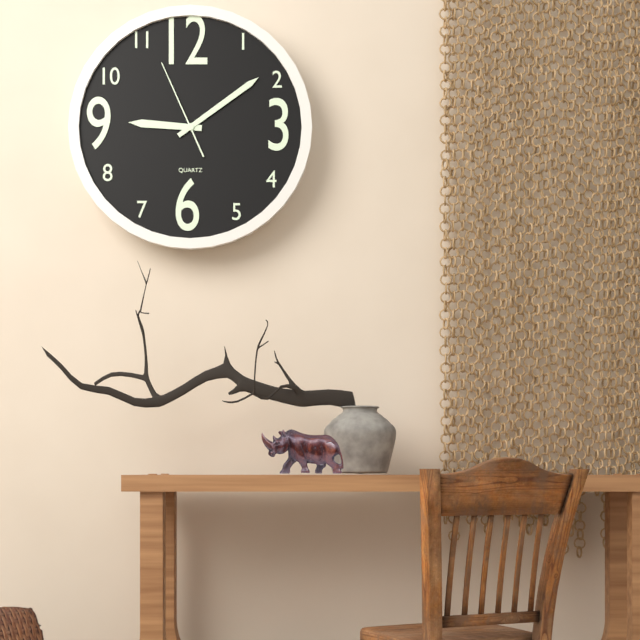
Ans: 9:09:56
